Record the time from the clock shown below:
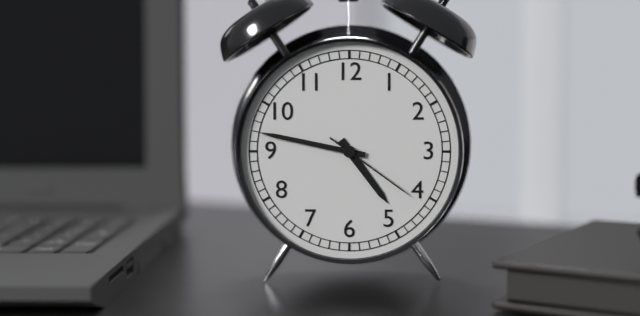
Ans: 4:47:21
